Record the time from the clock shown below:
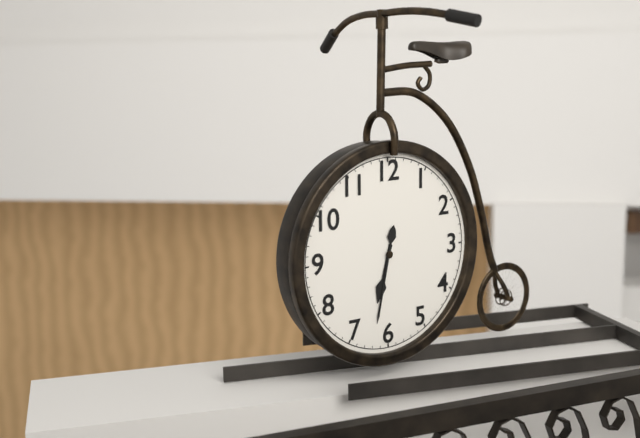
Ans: 6:32
